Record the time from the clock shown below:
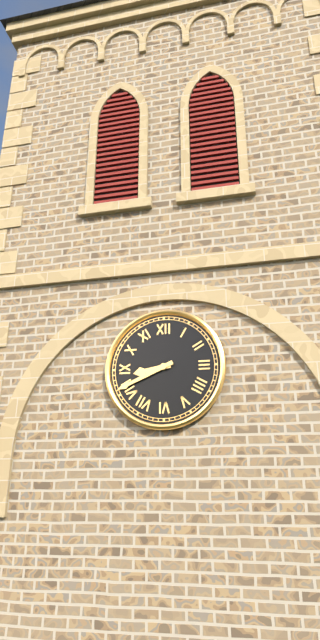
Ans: 8:41
